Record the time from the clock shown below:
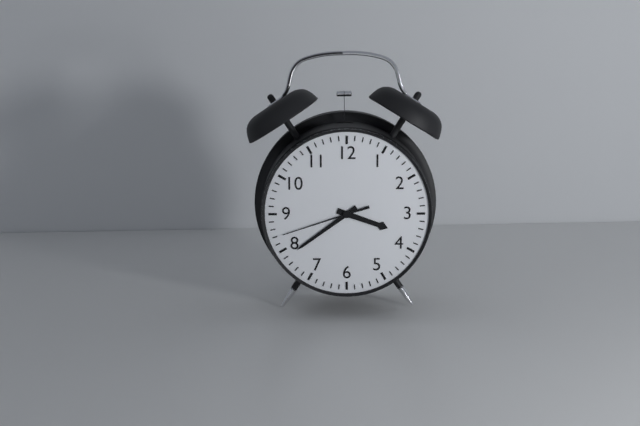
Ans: 3:39:42
